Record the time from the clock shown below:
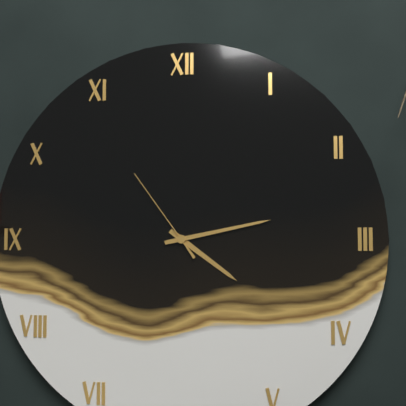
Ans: 4:13:54
